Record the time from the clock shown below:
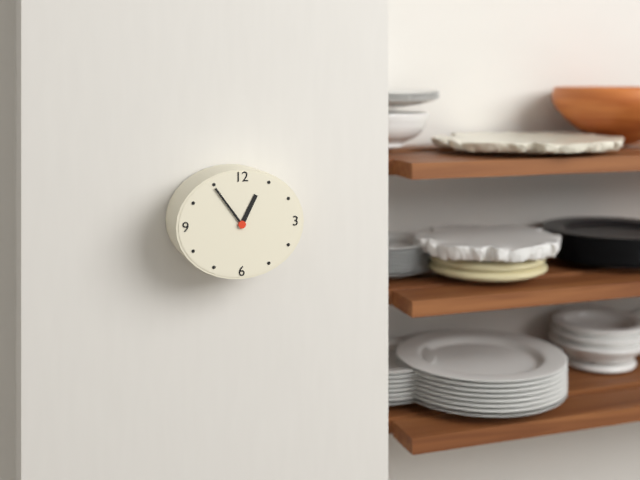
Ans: 12:54
